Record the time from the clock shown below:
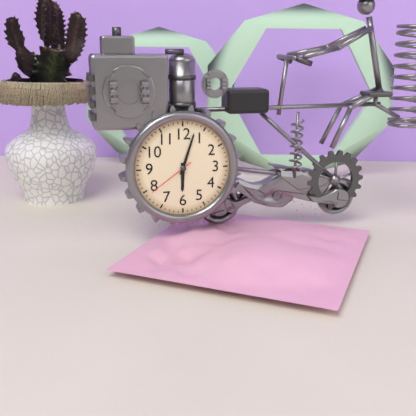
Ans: 6:03:39
